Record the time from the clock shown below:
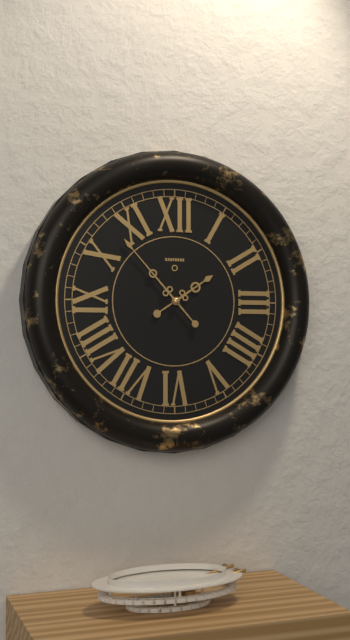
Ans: 1:53
